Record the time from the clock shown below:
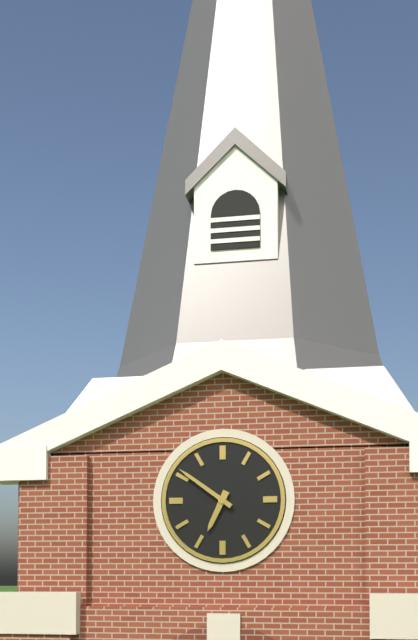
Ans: 6:51
